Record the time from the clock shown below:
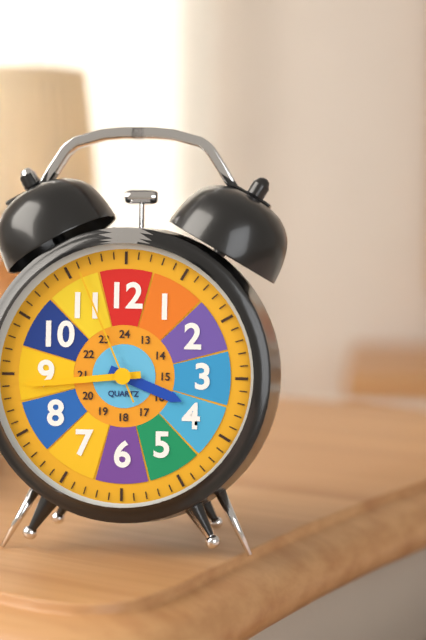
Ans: 3:44:56
